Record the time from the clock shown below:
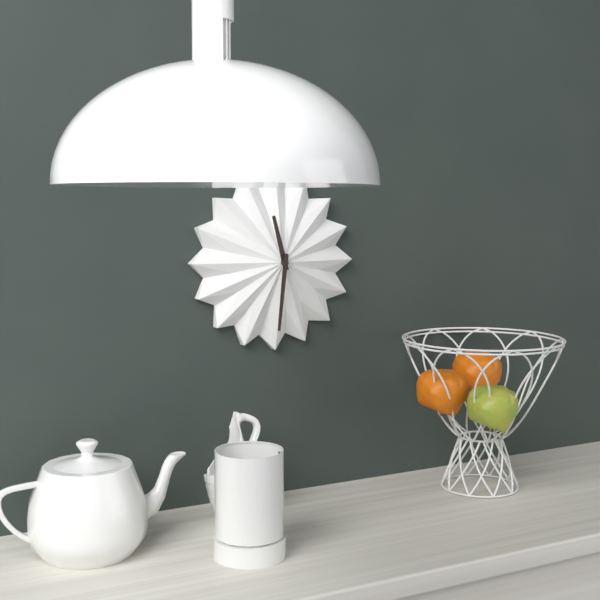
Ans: 11:31
